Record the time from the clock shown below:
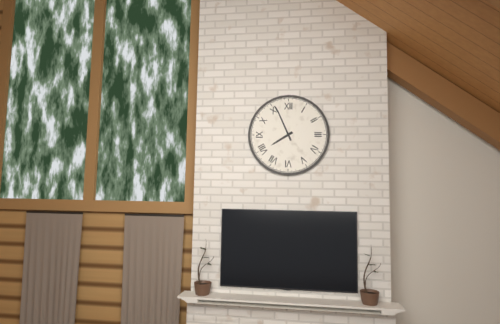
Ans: 7:56
